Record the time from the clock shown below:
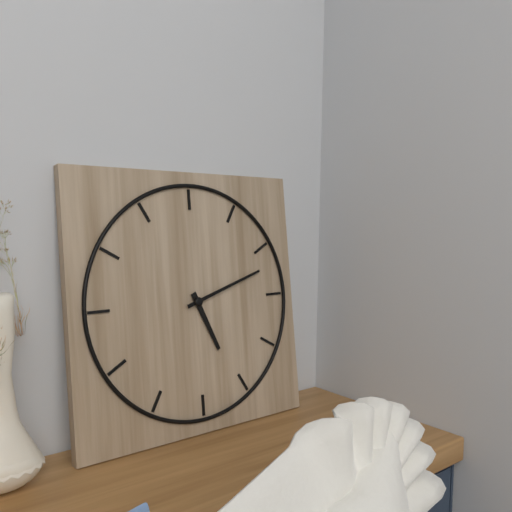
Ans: 5:12
